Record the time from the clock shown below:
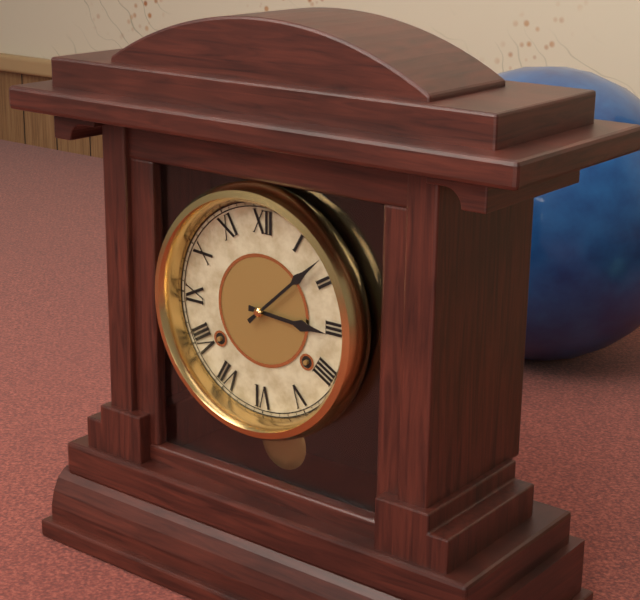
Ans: 3:08
